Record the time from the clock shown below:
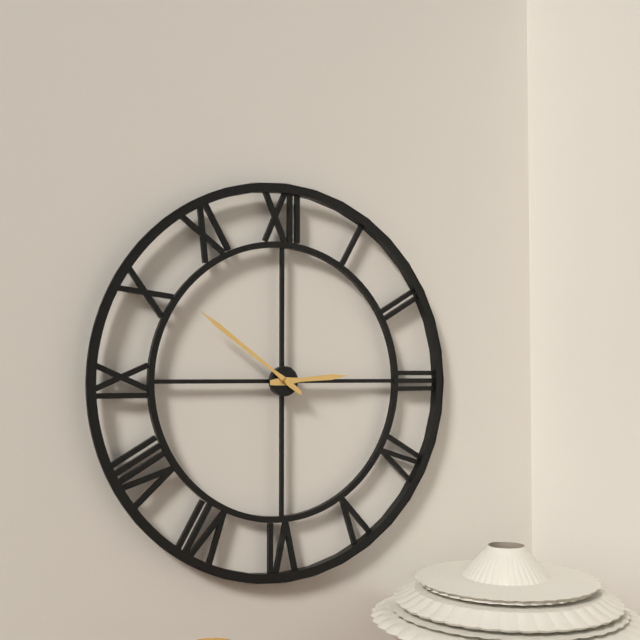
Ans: 2:51
